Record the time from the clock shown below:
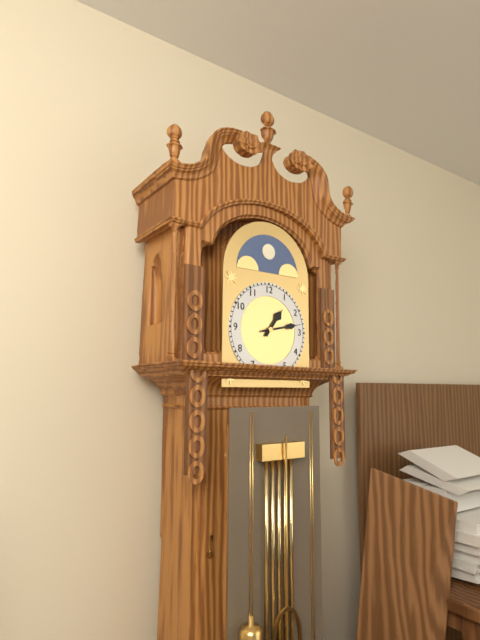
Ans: 1:13
